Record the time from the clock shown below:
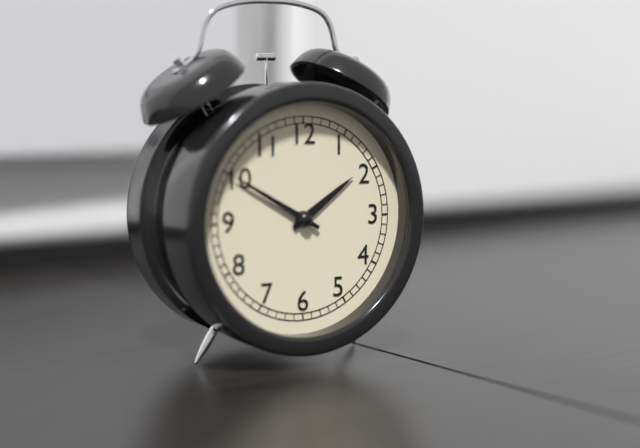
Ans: 1:50
